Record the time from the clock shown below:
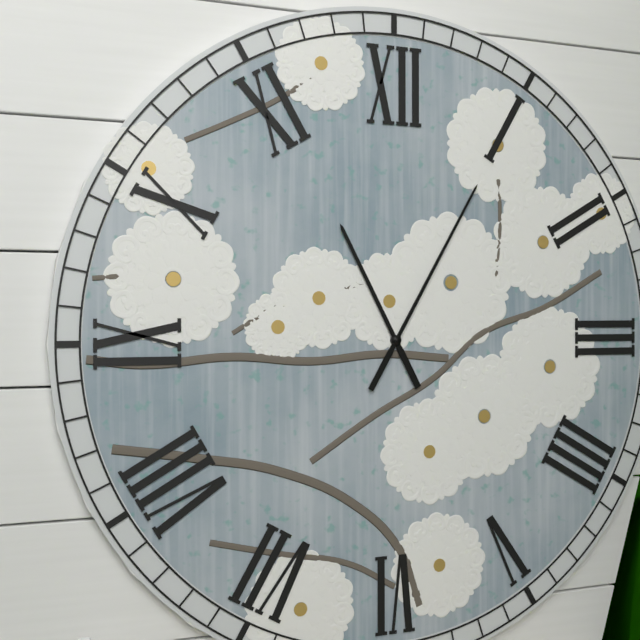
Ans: 11:05
